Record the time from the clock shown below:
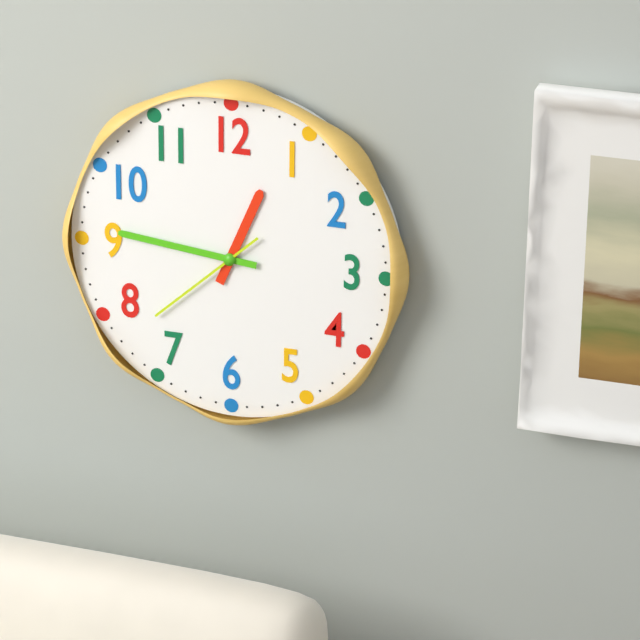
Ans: 12:46:38
